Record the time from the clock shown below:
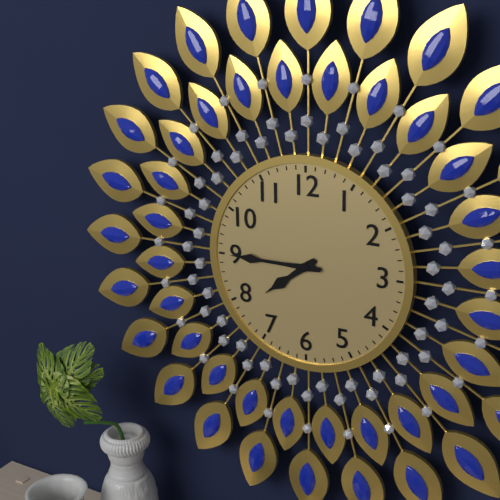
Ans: 7:45
